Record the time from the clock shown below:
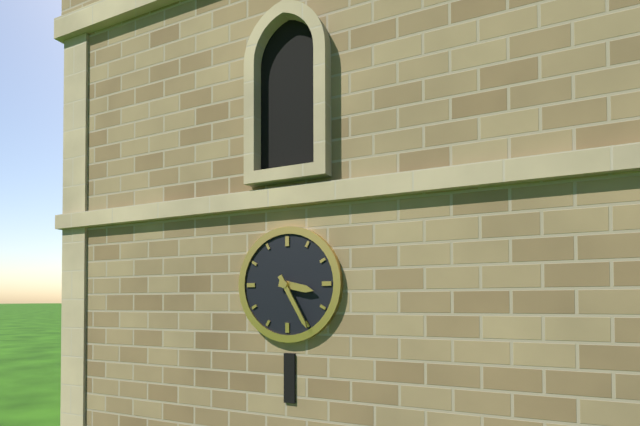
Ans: 3:25
